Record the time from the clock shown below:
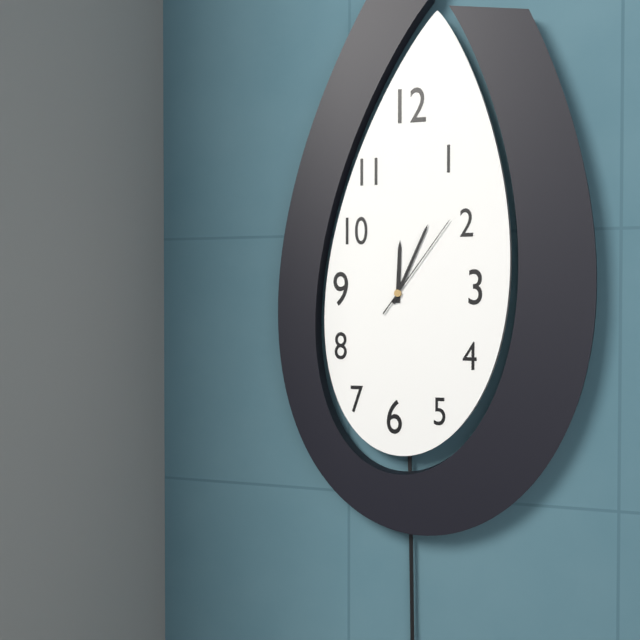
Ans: 12:04:06
